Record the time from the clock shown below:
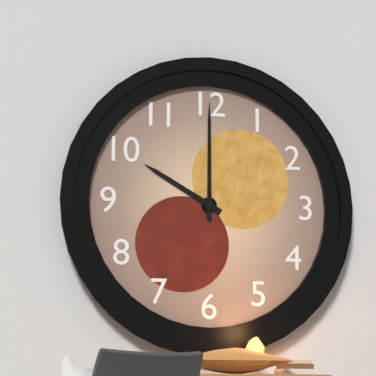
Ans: 10:00
